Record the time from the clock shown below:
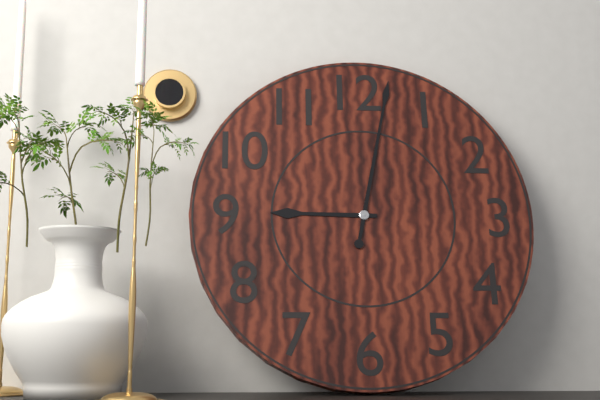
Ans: 9:02
